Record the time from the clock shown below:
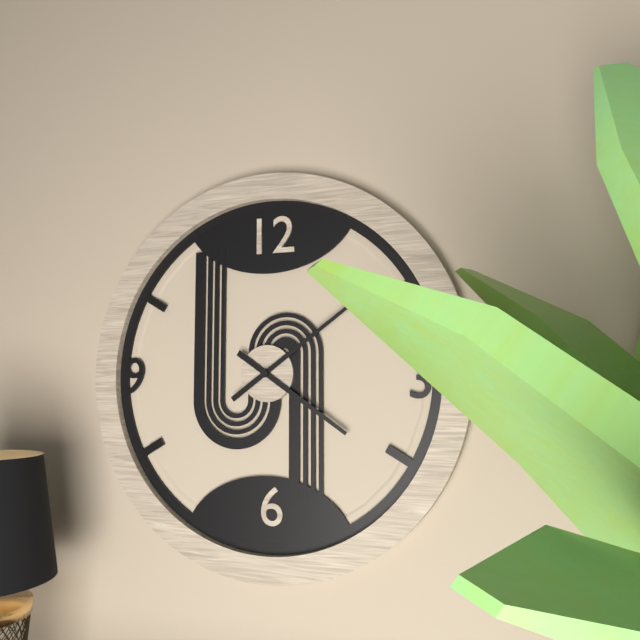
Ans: 4:09
